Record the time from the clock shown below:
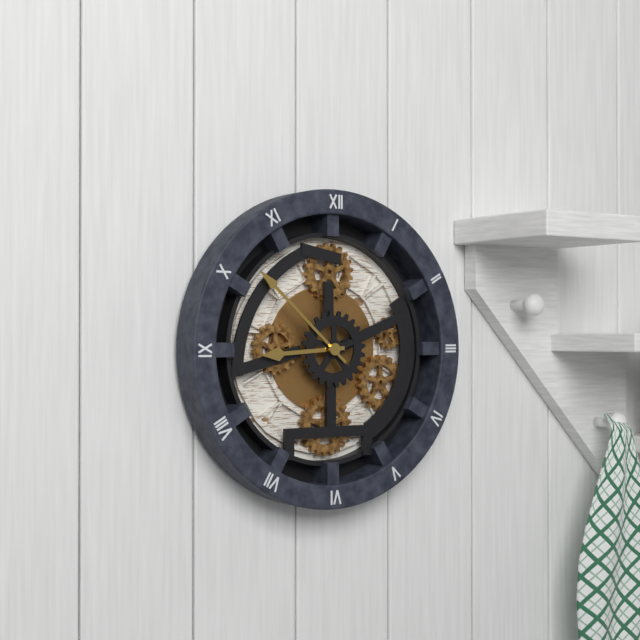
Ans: 8:52
